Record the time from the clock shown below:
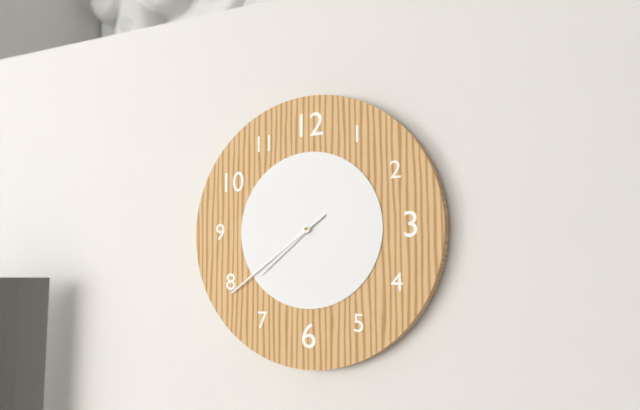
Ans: 7:39
